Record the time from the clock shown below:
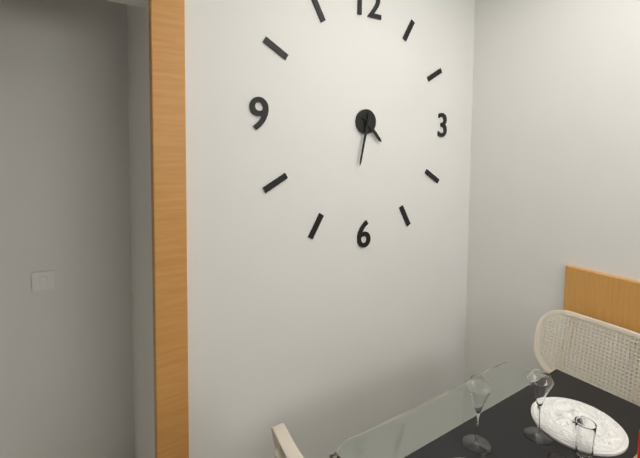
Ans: 4:32
